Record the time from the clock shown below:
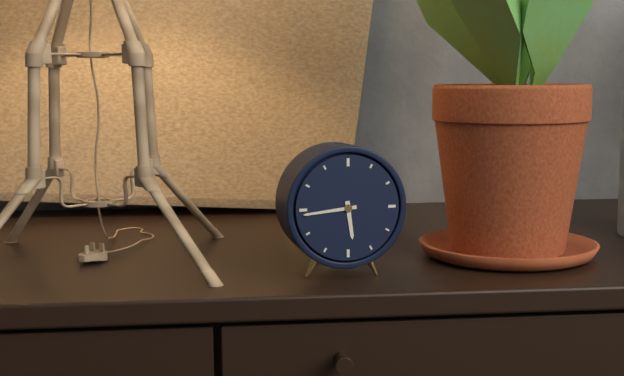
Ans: 5:44
